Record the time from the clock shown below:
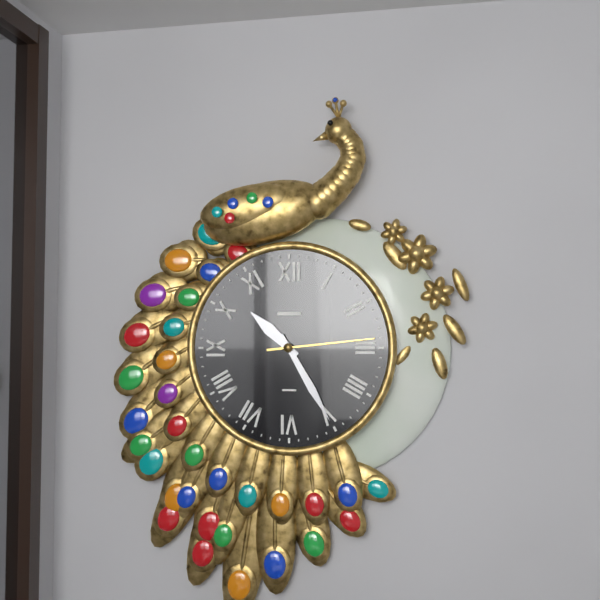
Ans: 10:25:14
